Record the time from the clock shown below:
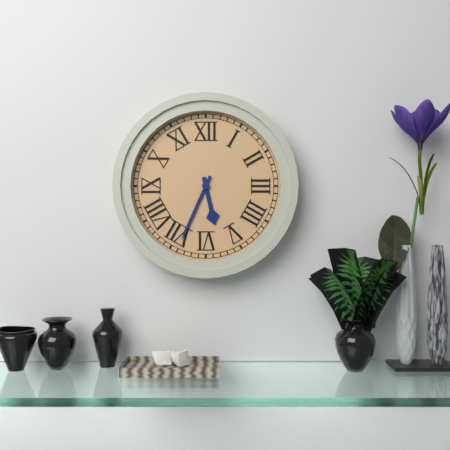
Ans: 5:34
